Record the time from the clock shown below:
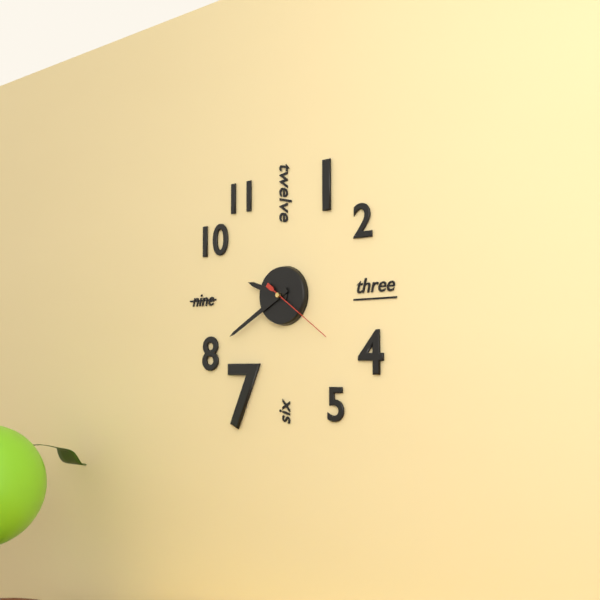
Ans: 9:40:21
